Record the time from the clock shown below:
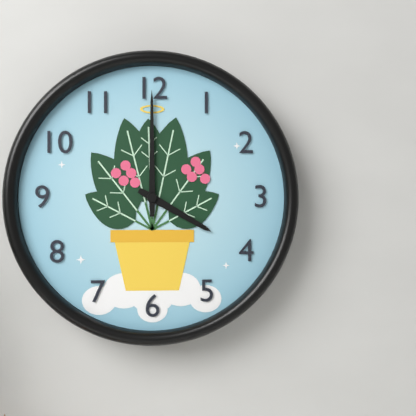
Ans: 4:00
